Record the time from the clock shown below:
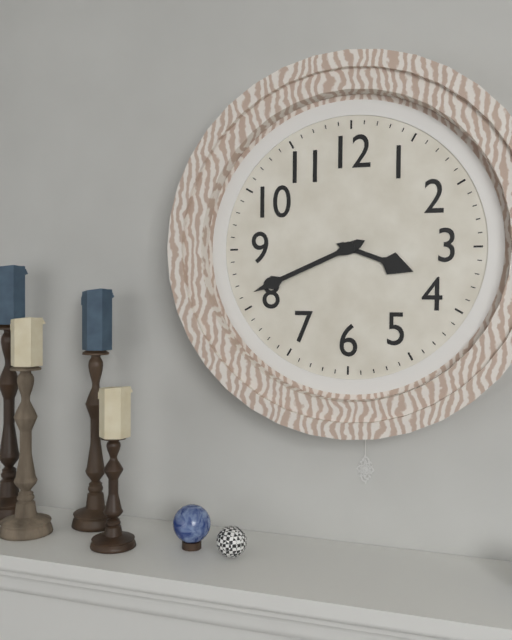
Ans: 3:41
